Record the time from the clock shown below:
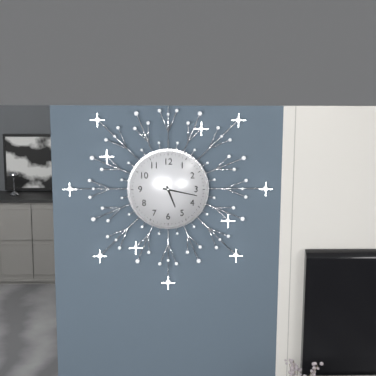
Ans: 5:17
